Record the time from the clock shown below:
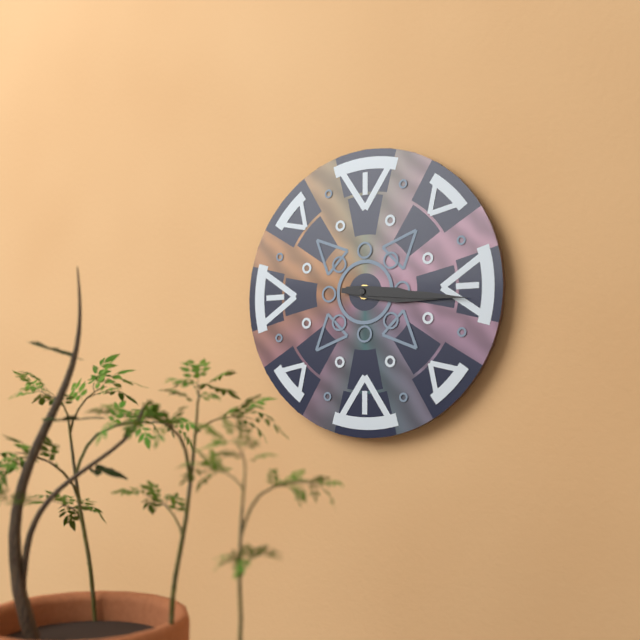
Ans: 3:16
